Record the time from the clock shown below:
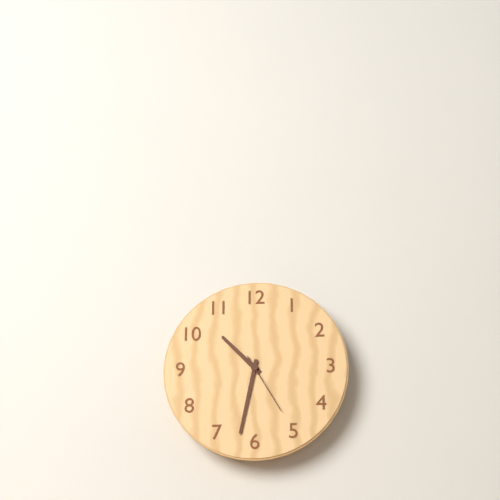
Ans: 10:32:25
